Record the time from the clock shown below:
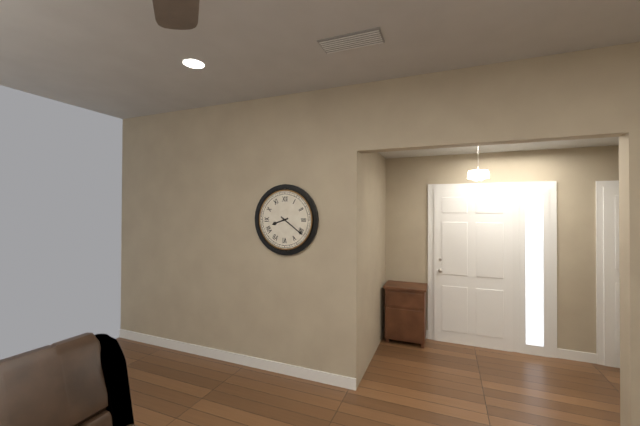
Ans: 8:21
